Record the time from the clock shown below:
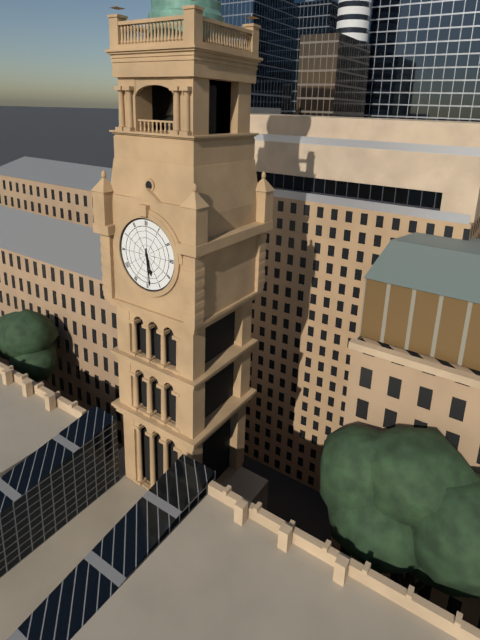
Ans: 5:29
